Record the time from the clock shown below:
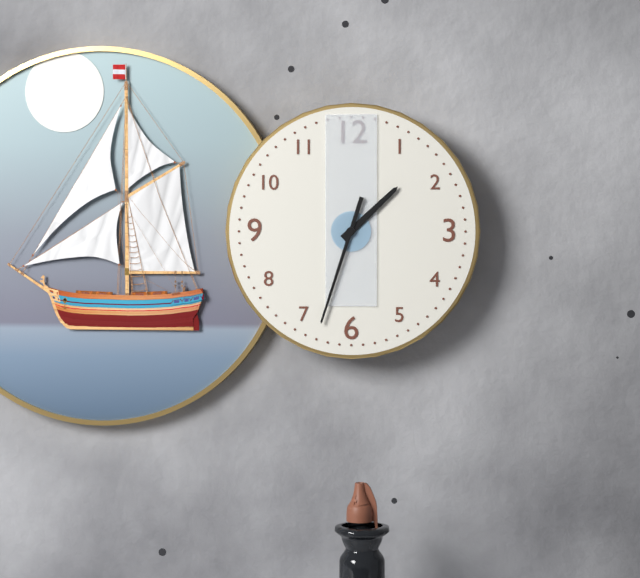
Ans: 1:33
